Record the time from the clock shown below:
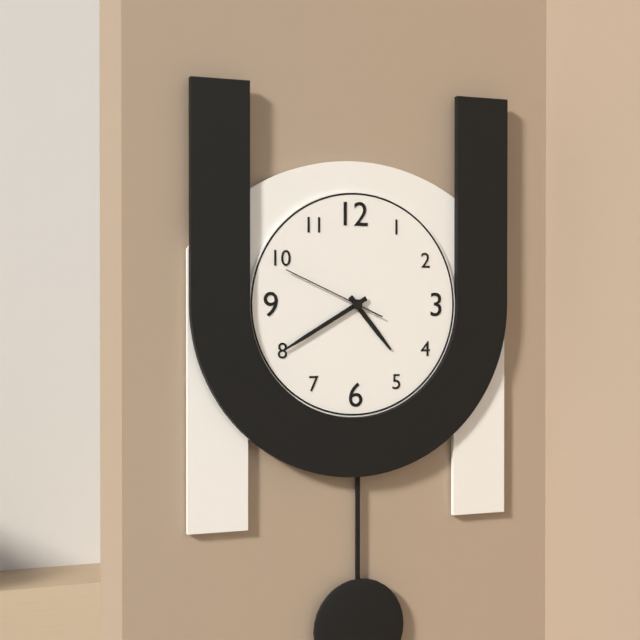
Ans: 4:40:49
